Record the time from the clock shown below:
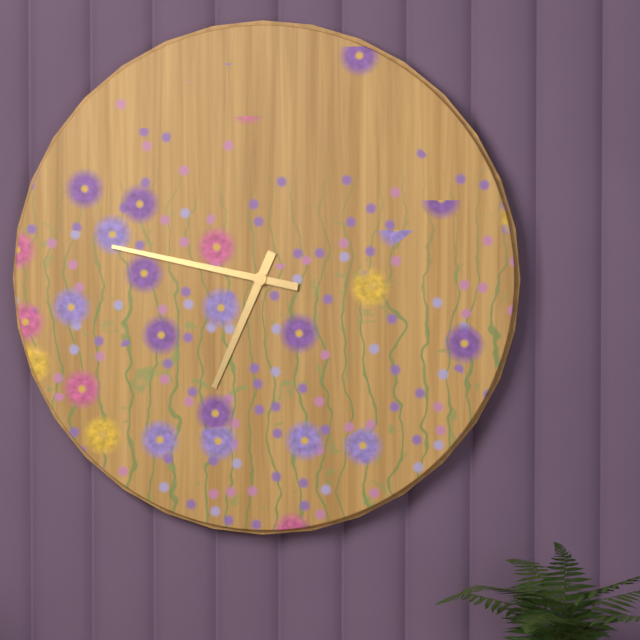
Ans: 6:47
